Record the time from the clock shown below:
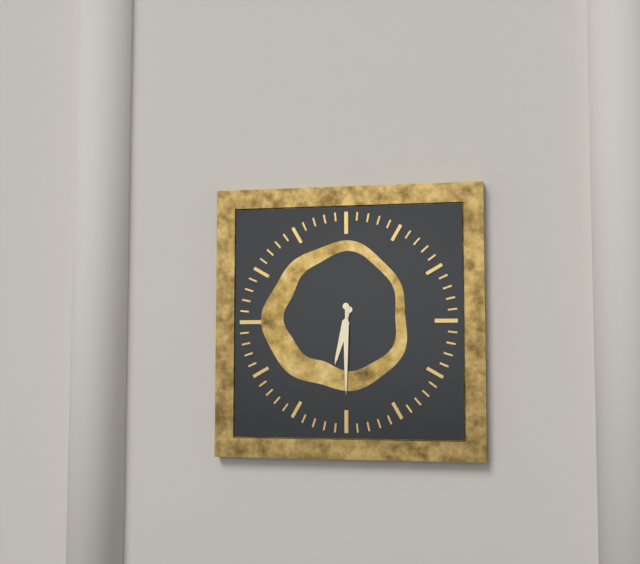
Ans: 6:30
